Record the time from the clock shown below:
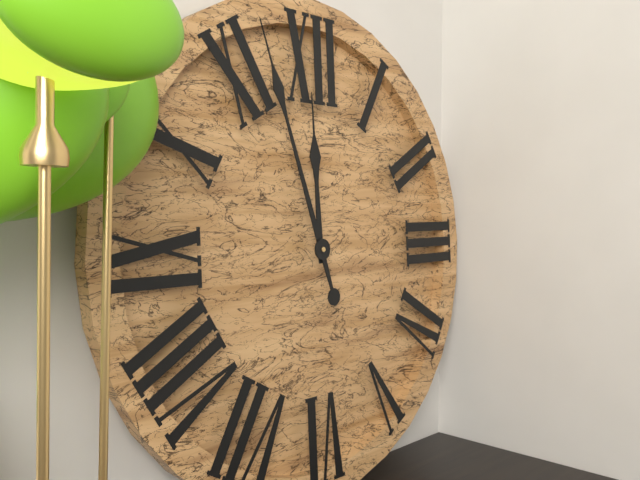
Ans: 11:57
